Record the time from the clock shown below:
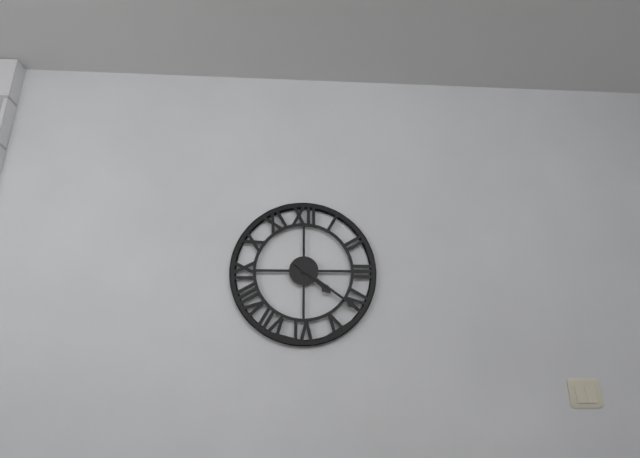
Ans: 4:21
